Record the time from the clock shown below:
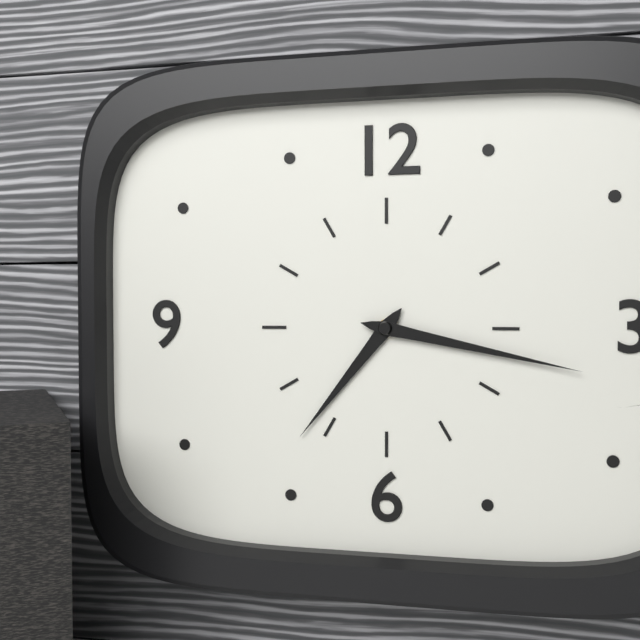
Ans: 7:17
